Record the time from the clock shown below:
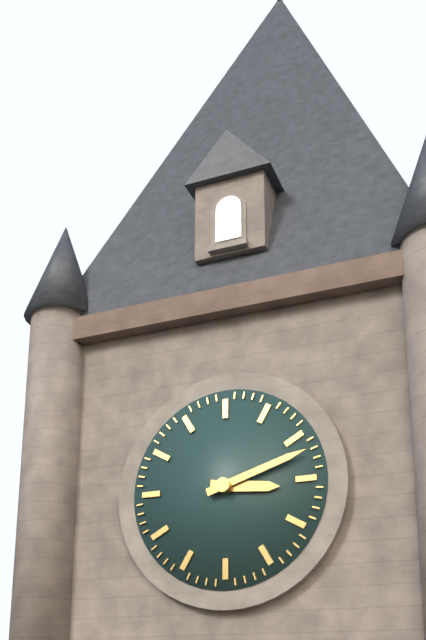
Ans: 3:12
